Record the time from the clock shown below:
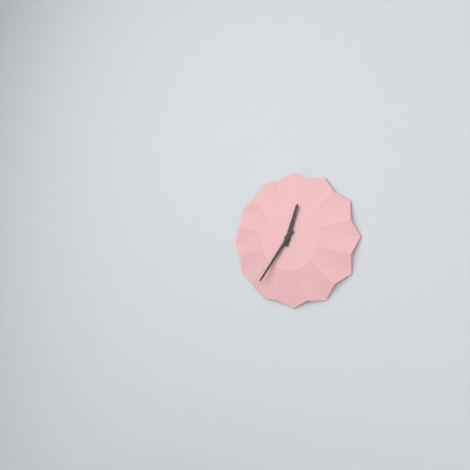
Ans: 12:36
